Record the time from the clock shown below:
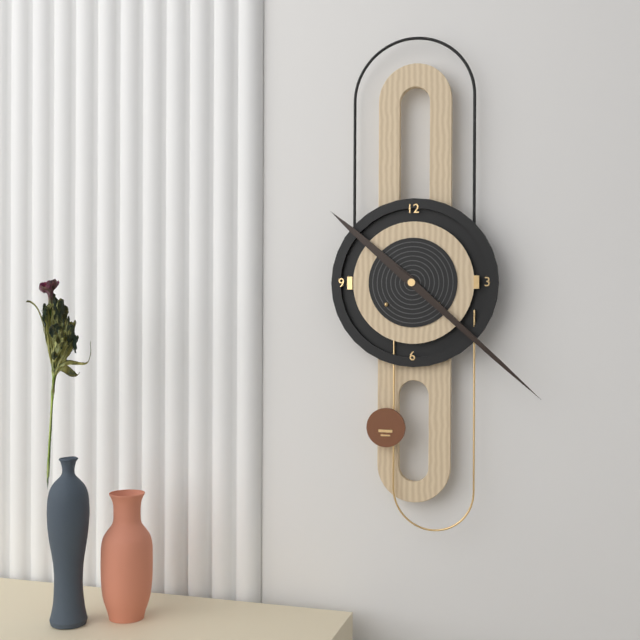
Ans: 10:22
